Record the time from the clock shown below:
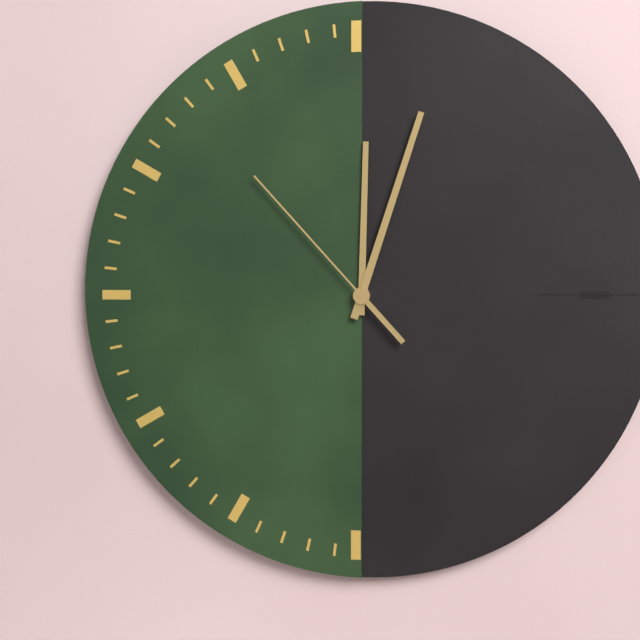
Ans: 12:03:53
